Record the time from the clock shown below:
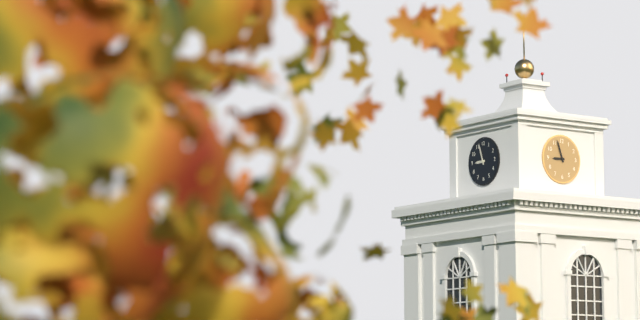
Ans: 8:57
